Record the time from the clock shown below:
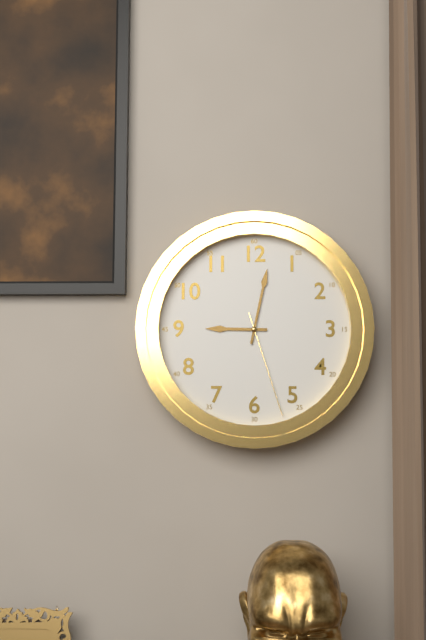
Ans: 9:02:27
